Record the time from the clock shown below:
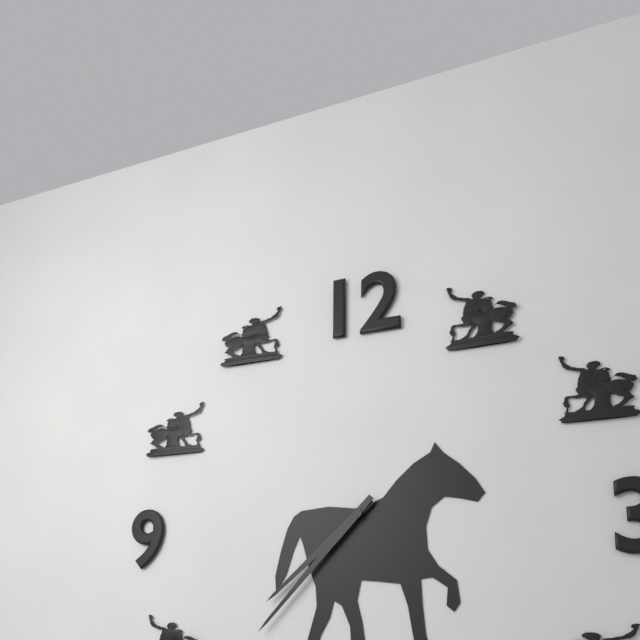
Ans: 7:37
